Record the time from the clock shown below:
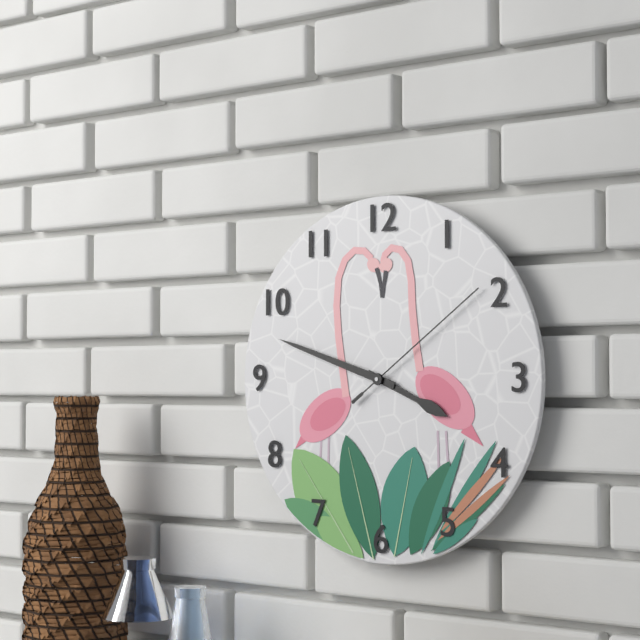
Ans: 3:48:09
